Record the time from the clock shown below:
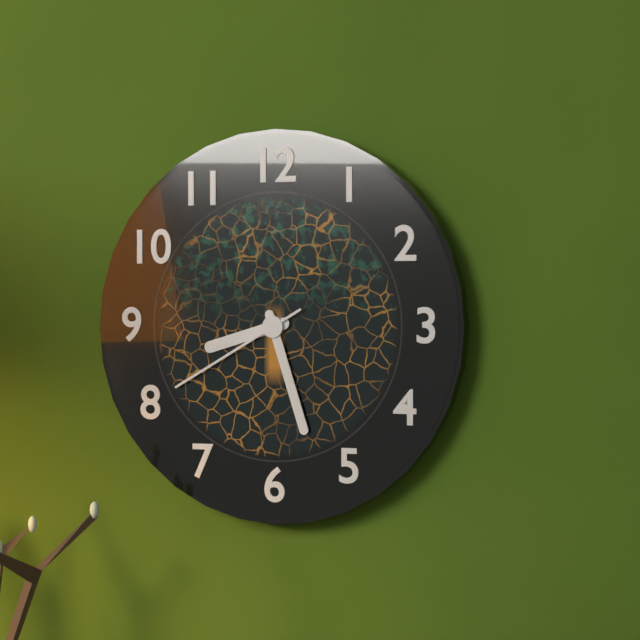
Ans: 8:27:40
